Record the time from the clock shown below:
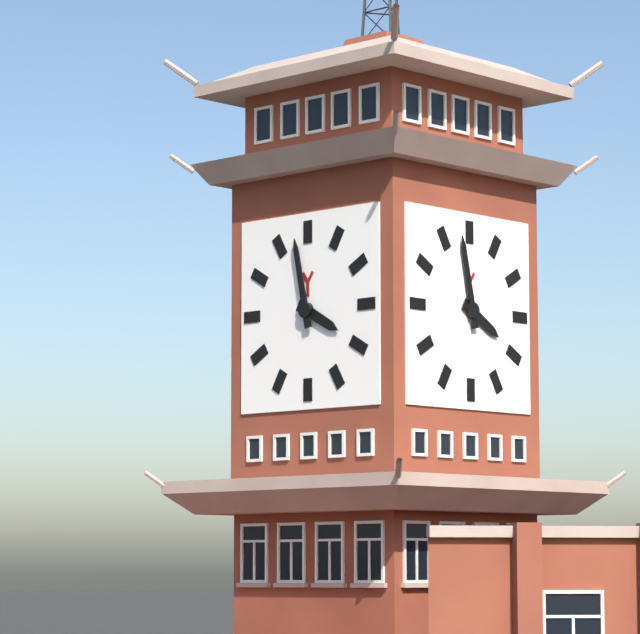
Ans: 3:58
